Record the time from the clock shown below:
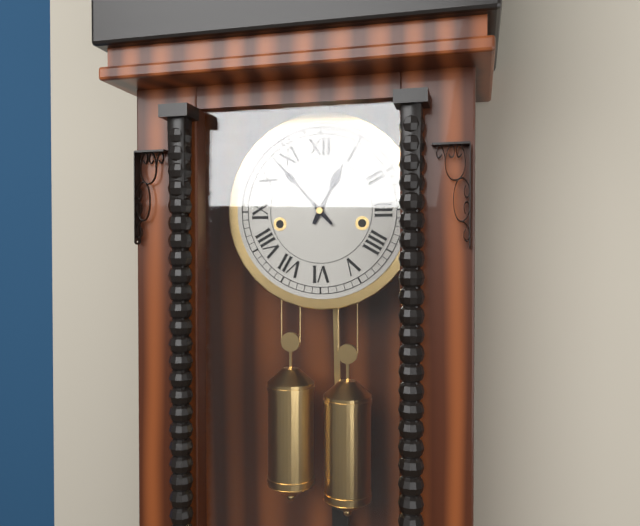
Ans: 12:53
